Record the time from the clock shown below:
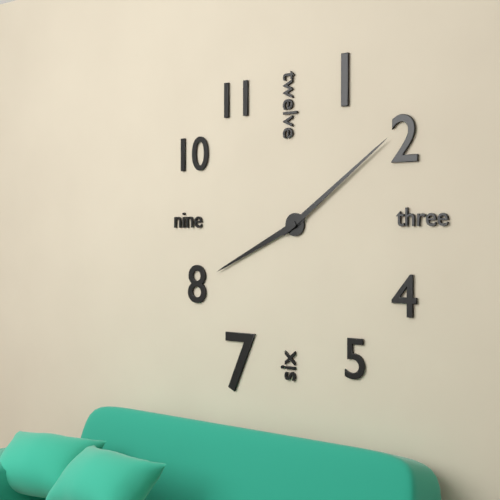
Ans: 8:09
